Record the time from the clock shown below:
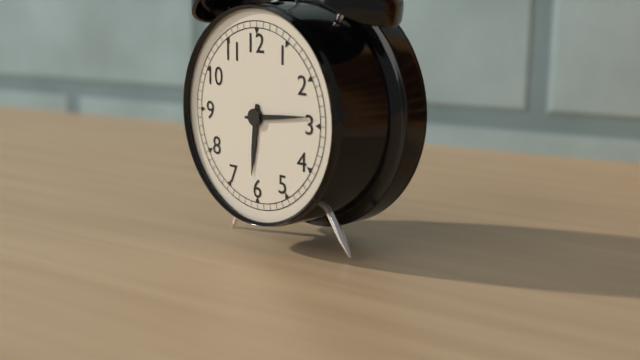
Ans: 6:14
